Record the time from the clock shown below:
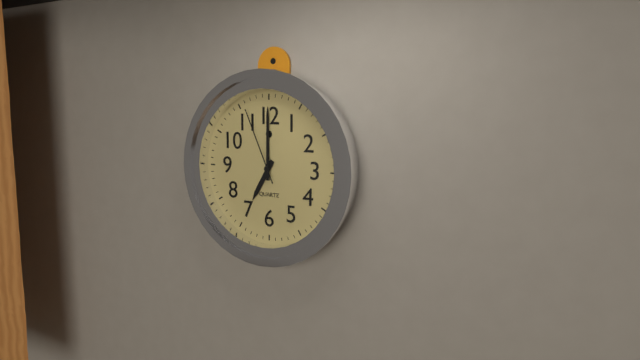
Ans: 7:00:56
